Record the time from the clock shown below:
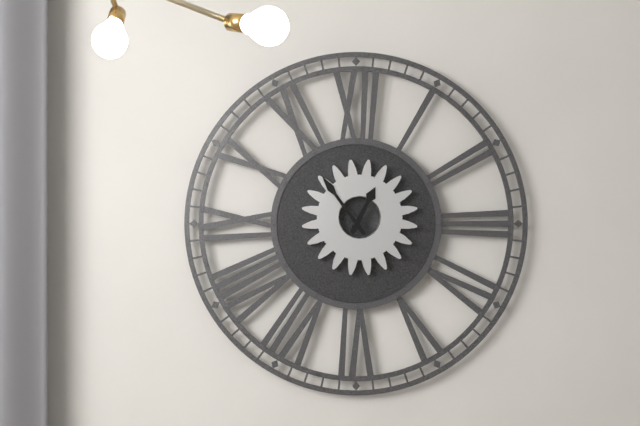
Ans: 12:54
